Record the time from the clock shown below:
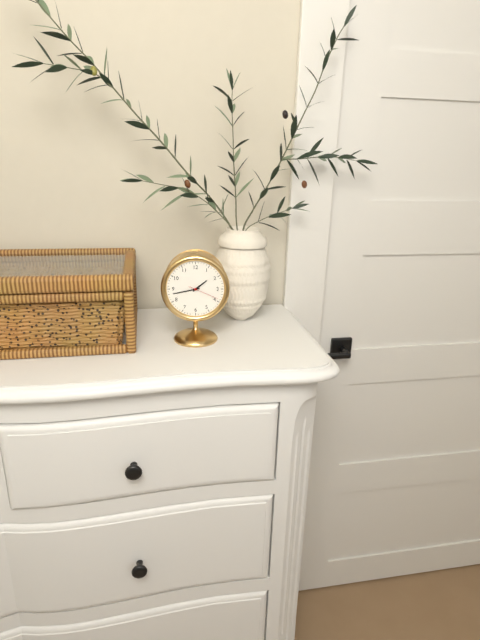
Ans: 1:43
